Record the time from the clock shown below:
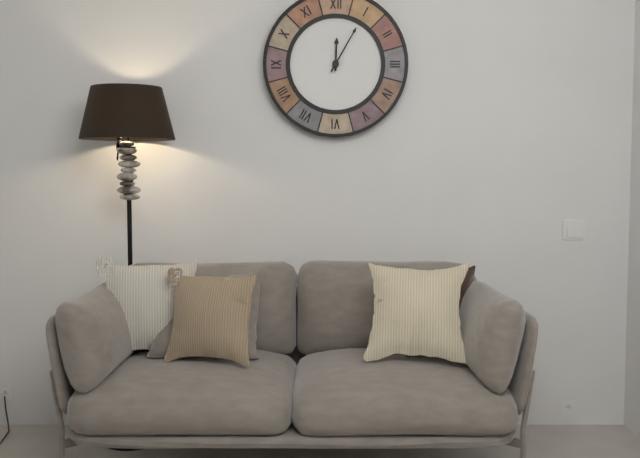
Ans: 12:05
